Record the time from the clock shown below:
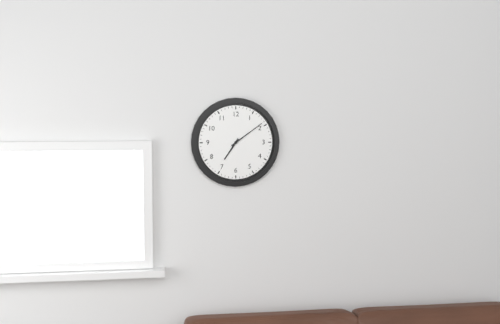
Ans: 7:09
